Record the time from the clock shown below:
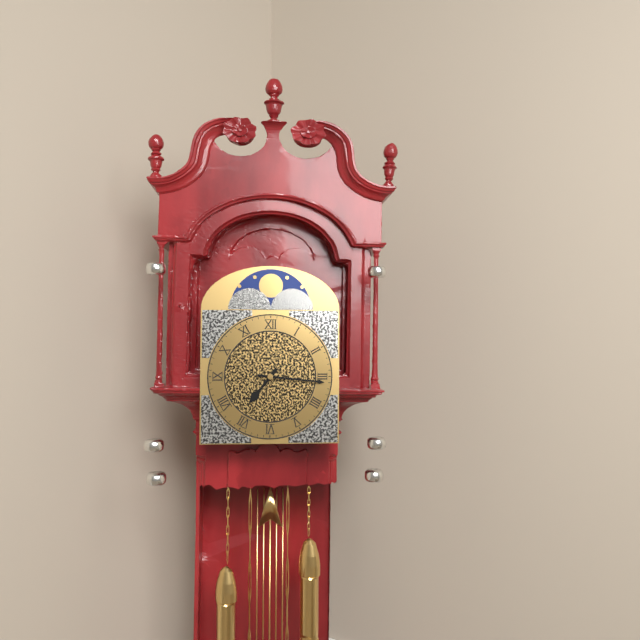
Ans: 7:16
